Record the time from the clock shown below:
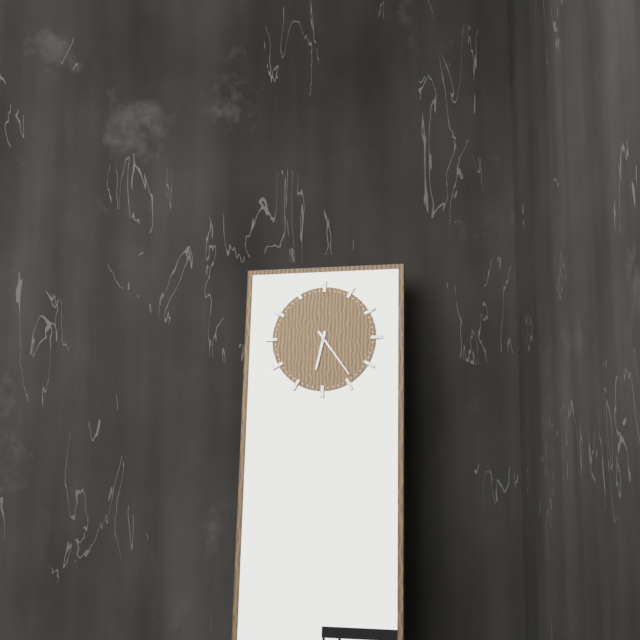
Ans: 6:24
